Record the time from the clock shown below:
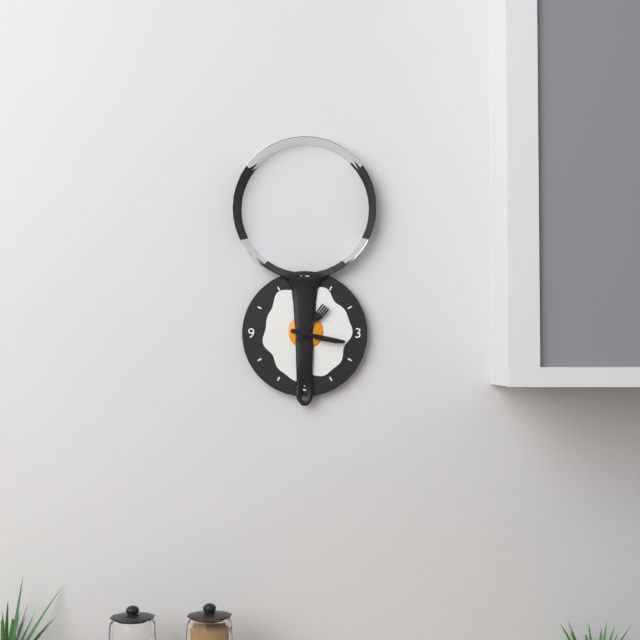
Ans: 1:17
